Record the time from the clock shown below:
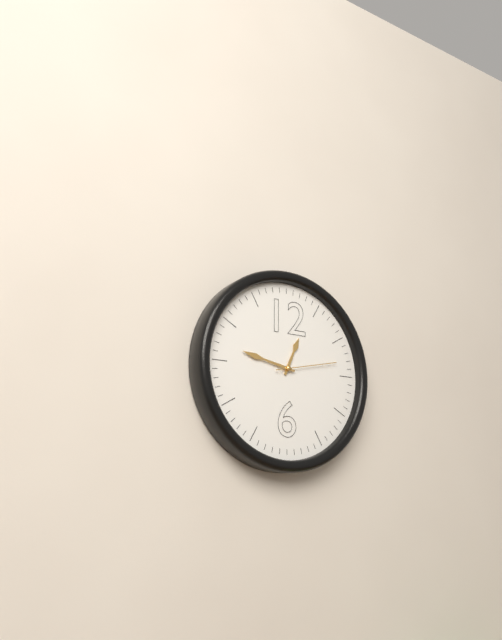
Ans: 12:47:13
